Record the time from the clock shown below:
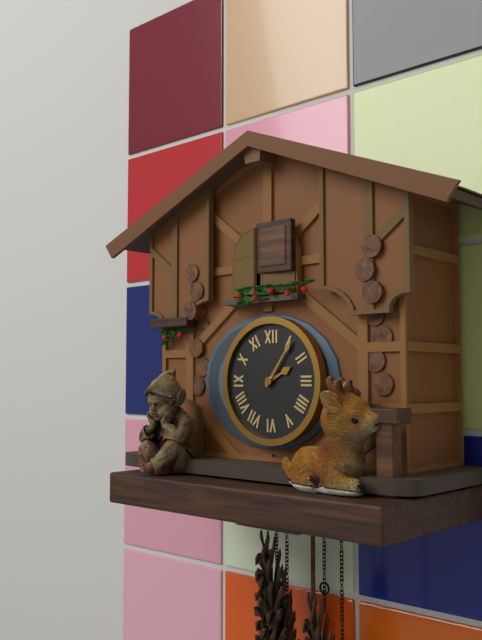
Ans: 2:06
